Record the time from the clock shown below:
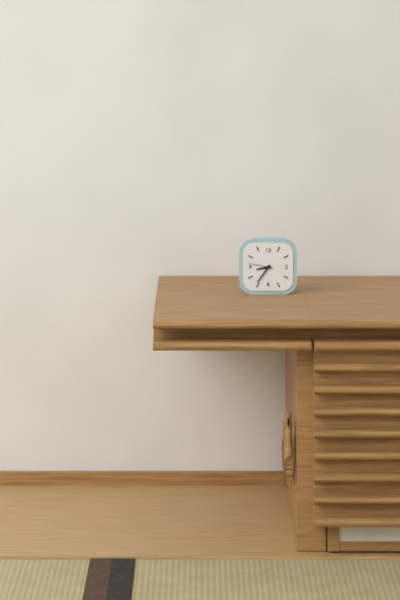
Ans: 8:36
